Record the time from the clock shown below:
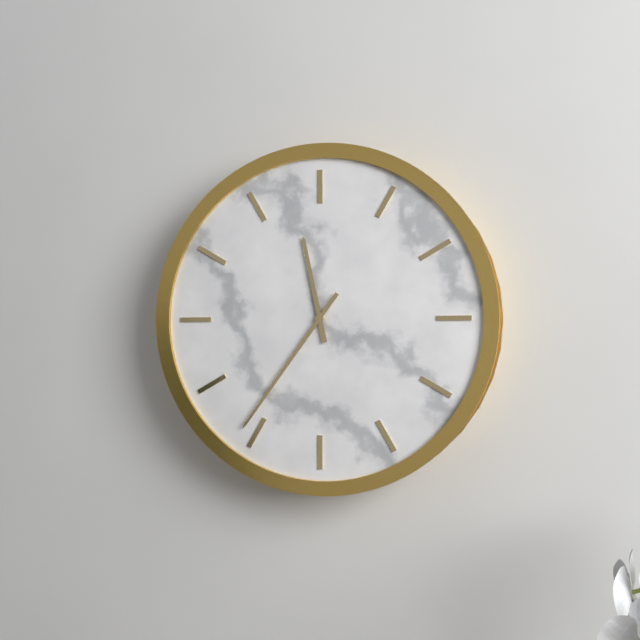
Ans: 11:36
